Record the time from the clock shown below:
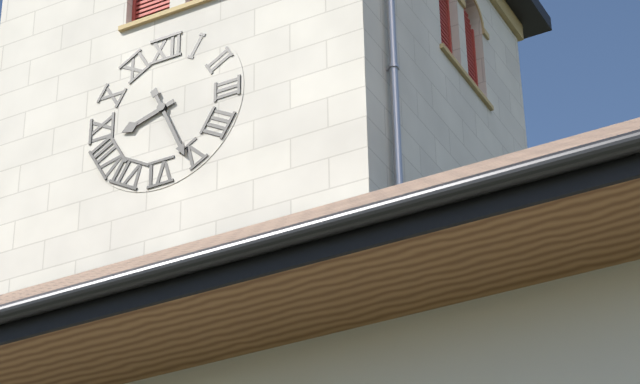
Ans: 8:26
